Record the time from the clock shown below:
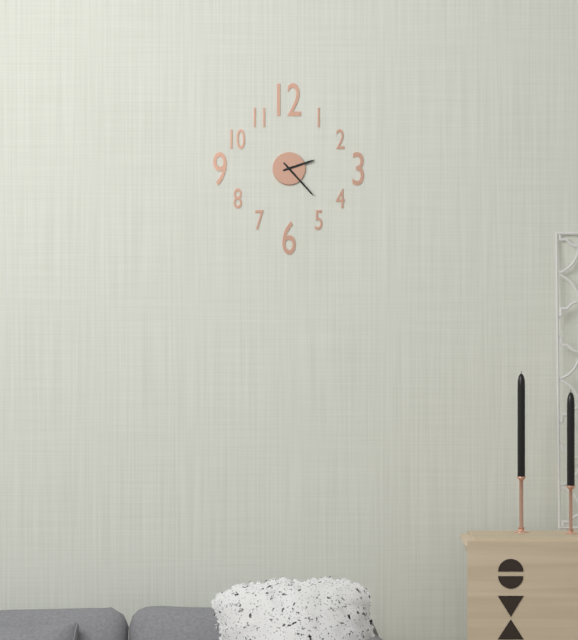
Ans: 2:23
